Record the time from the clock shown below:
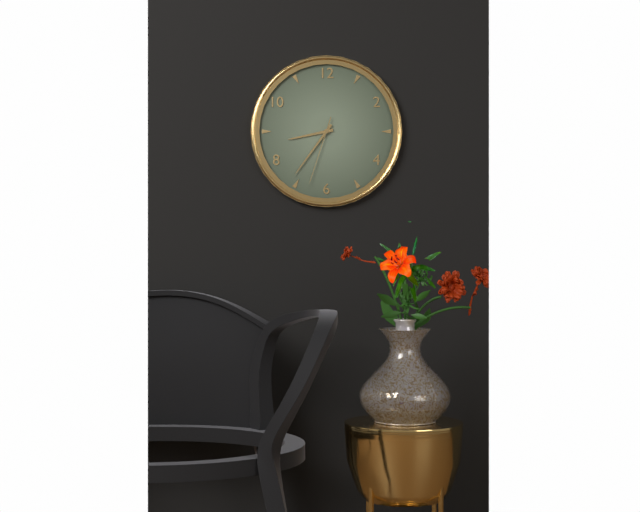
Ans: 8:36:33
